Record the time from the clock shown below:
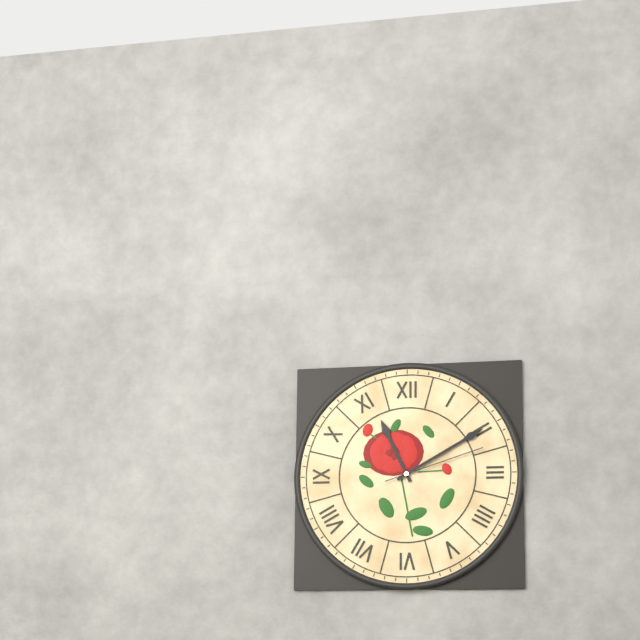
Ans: 11:10:12
